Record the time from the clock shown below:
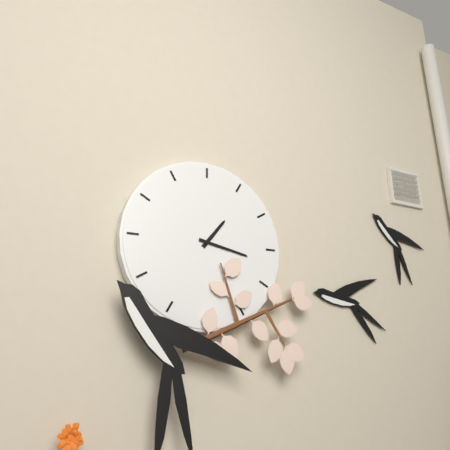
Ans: 1:17
